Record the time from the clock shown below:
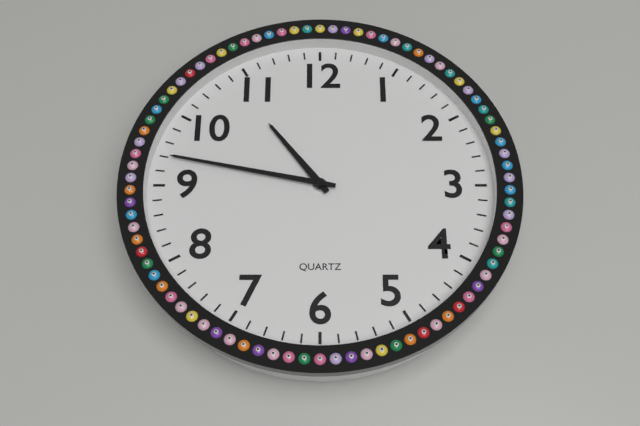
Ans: 10:47
